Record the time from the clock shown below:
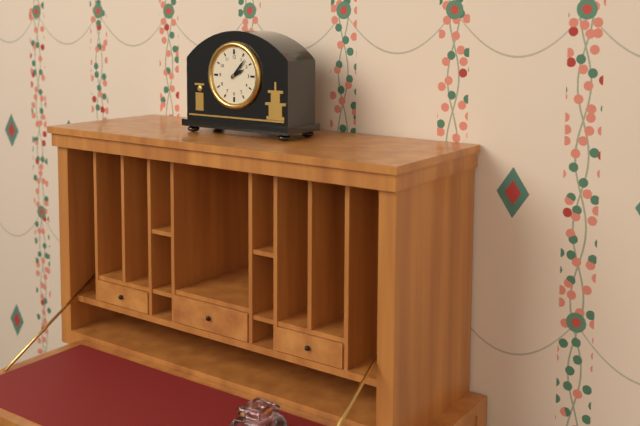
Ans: 2:07
